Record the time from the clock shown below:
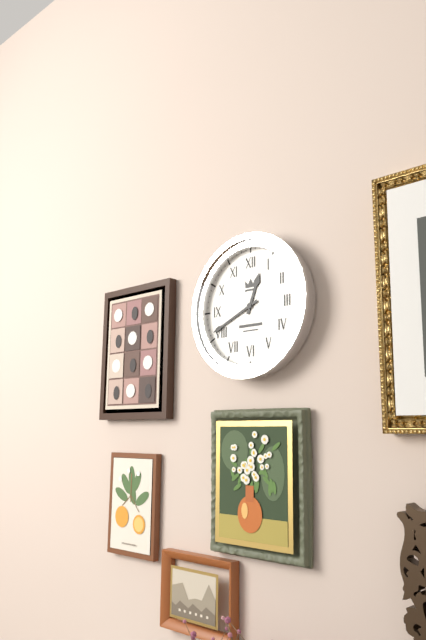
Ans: 12:41
